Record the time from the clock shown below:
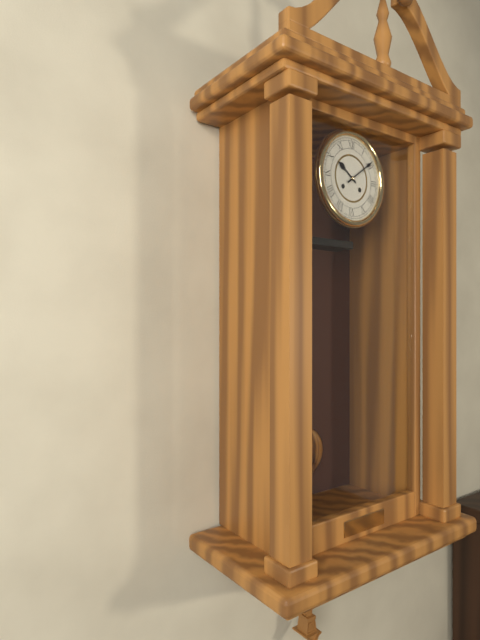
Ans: 10:09
